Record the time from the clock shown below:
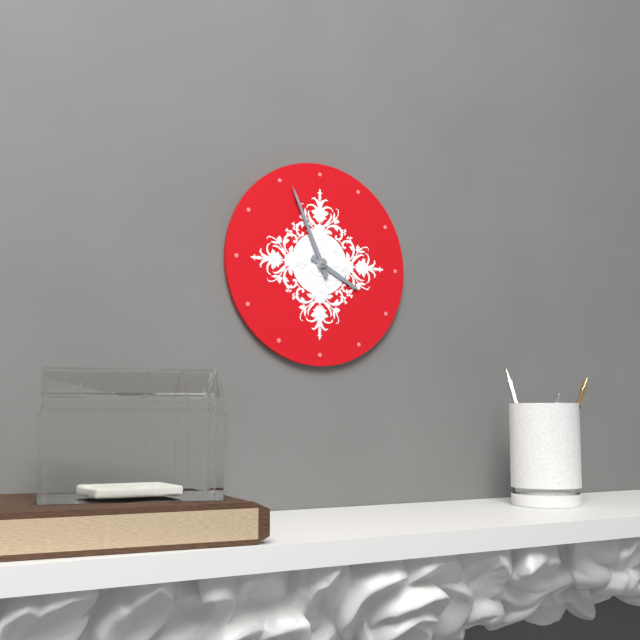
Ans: 3:56
